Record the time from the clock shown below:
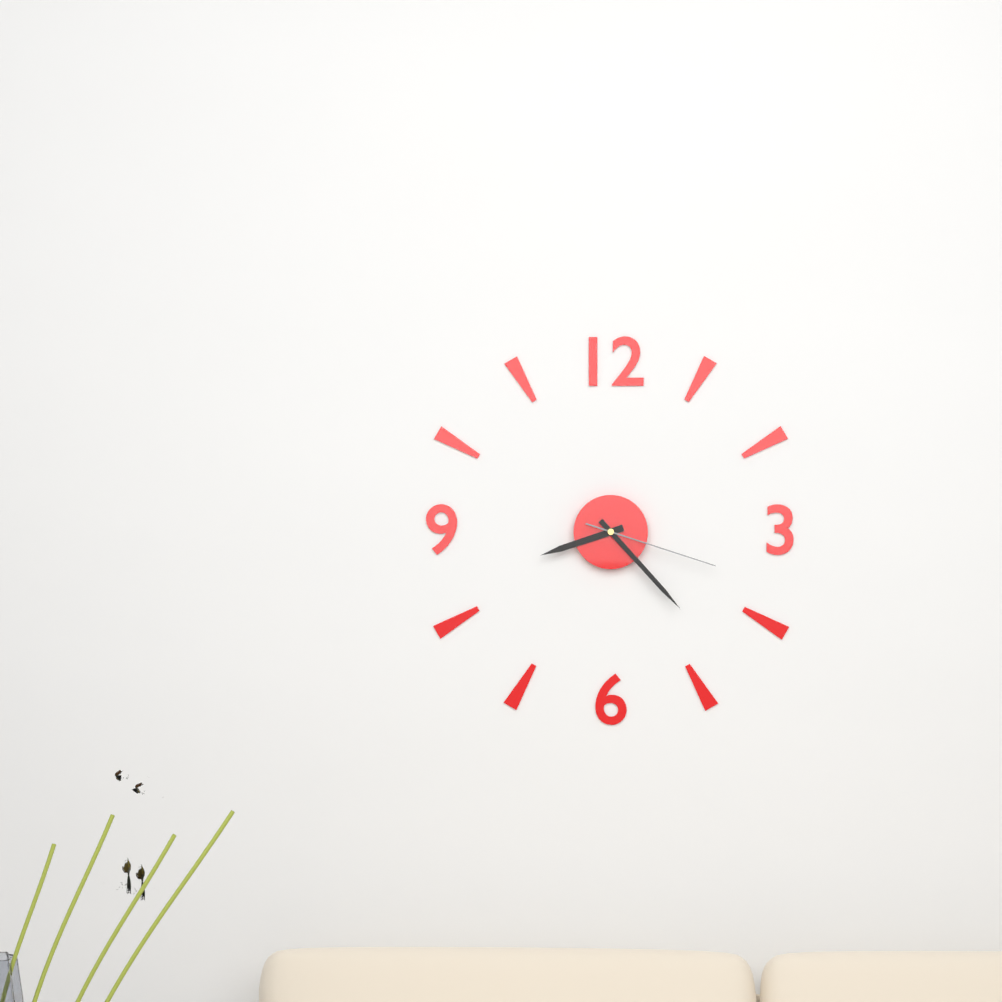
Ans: 8:23:18
